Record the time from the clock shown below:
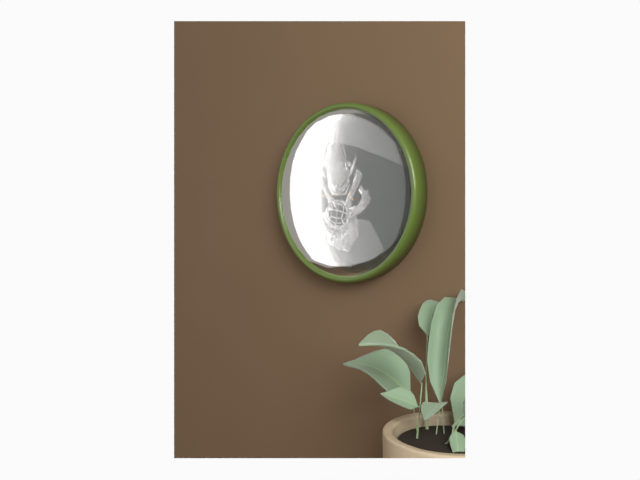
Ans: 8:52
